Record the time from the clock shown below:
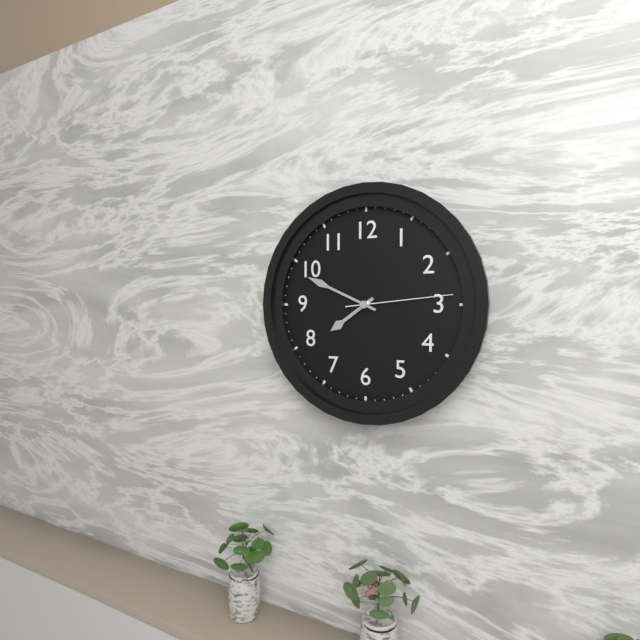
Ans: 7:49:14
